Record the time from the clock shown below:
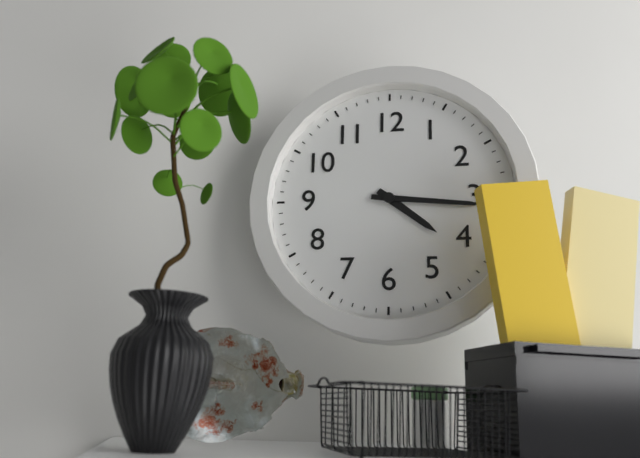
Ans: 4:16
